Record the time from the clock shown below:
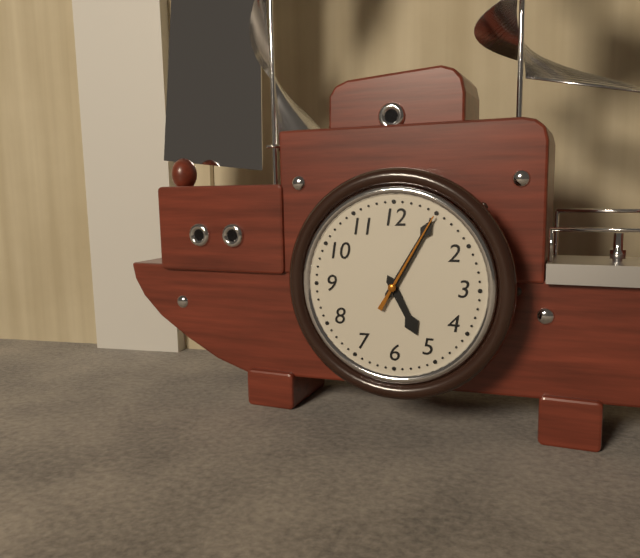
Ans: 5:05:05
